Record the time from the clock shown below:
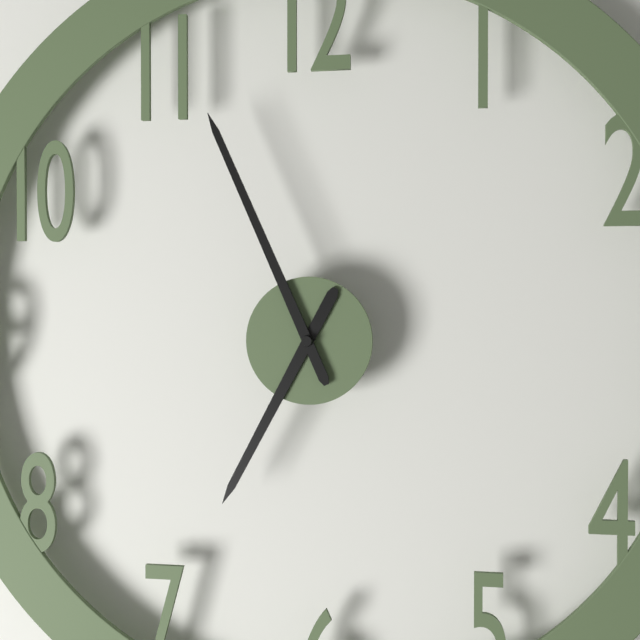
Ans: 6:56
